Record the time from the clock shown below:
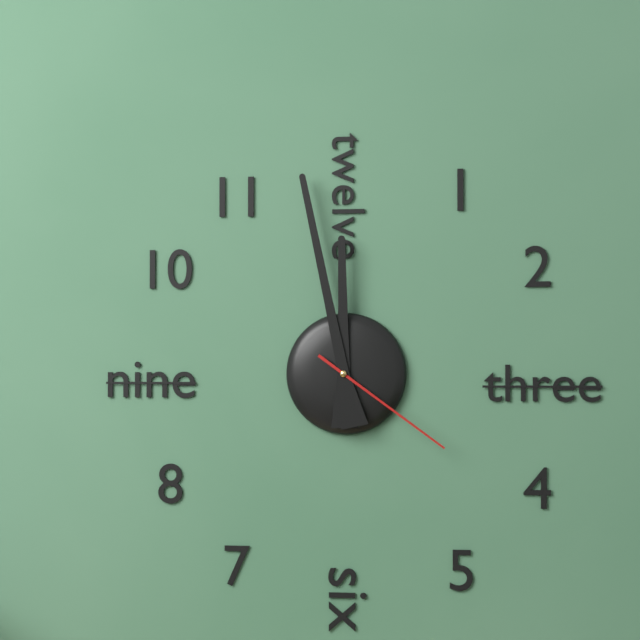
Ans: 11:58:21
